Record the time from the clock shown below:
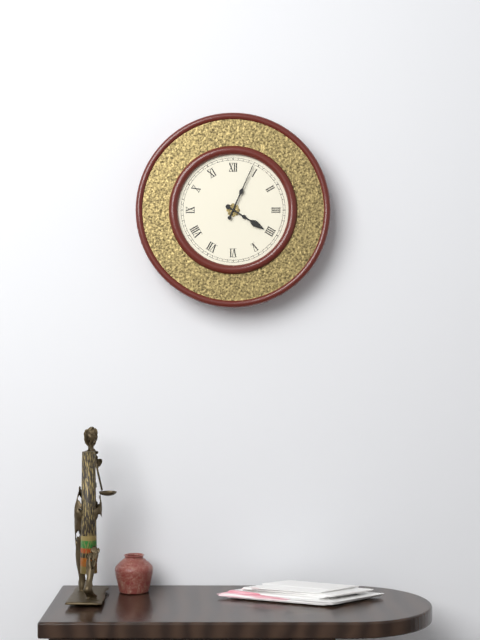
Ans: 4:04
